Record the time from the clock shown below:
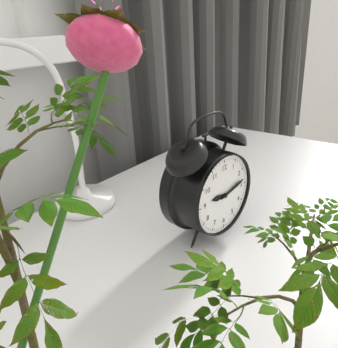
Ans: 9:13
